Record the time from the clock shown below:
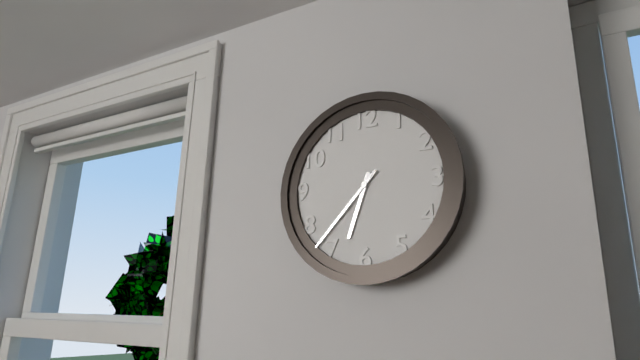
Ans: 6:37
